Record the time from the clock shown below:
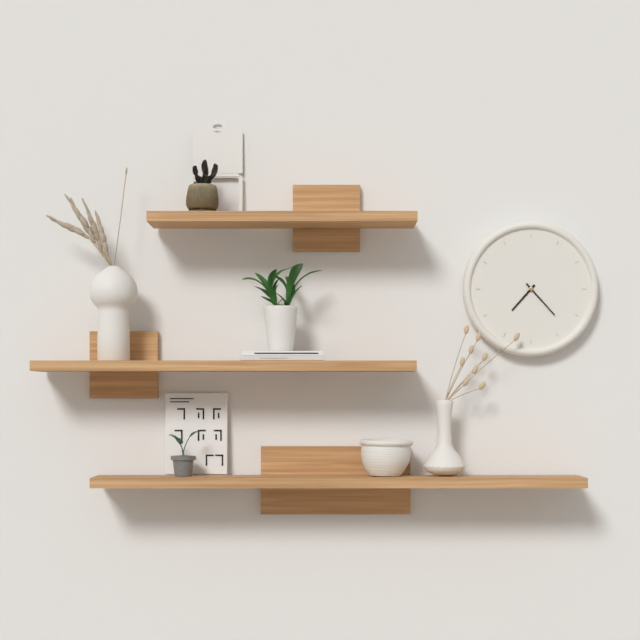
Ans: 7:23
